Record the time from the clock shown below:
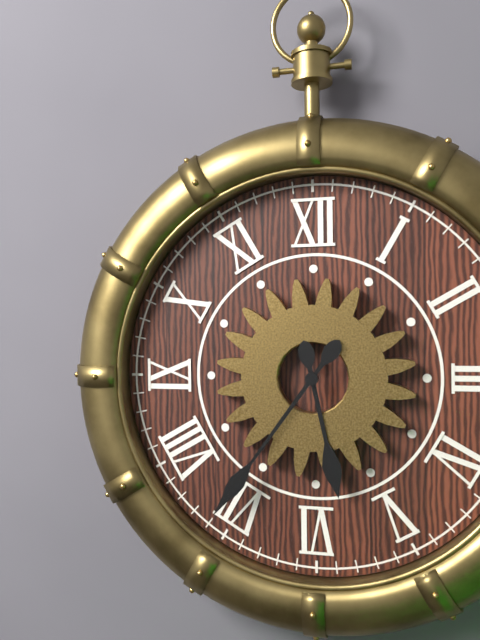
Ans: 5:36
